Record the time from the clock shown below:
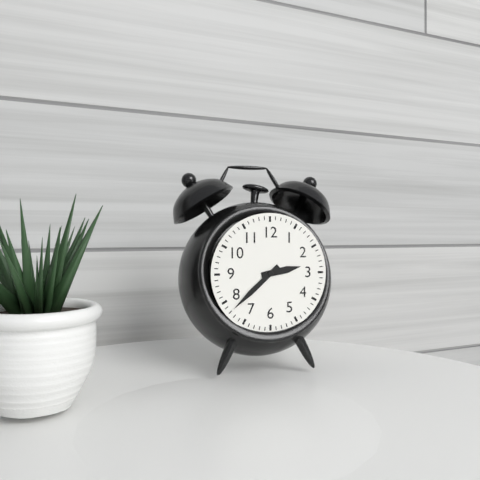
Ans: 2:38
